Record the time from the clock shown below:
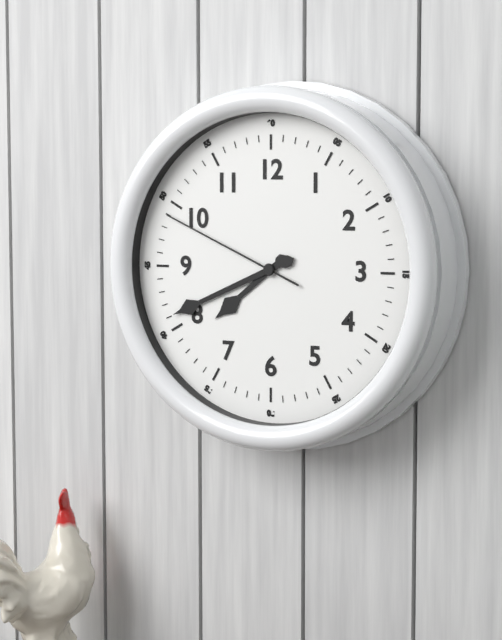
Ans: 7:41:49
